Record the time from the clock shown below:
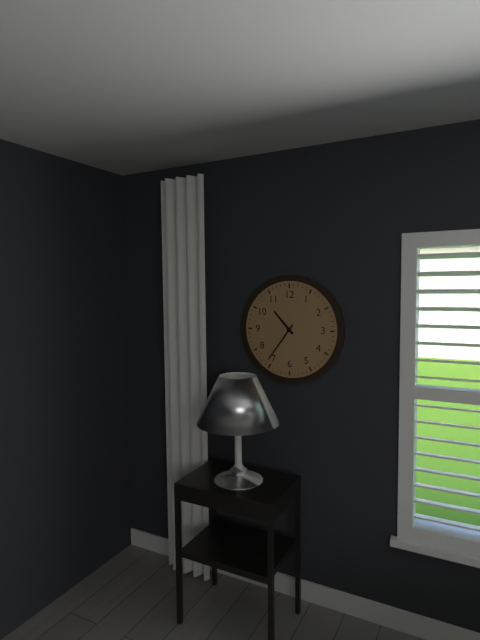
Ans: 10:36
